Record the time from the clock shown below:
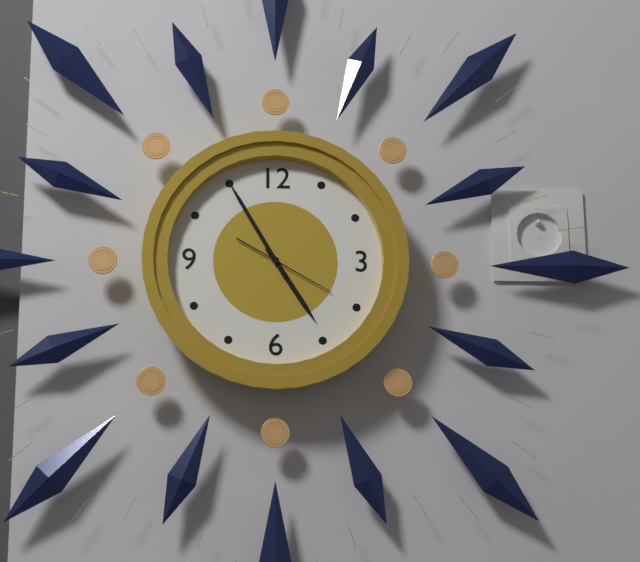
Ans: 4:55:20
